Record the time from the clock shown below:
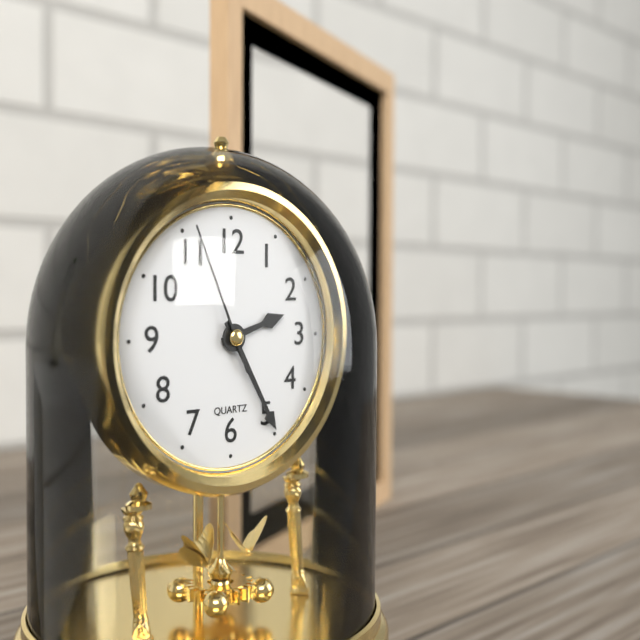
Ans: 2:25:56
